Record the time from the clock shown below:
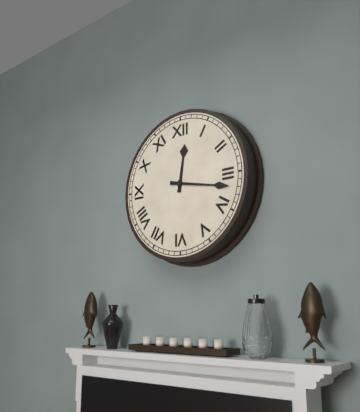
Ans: 12:17
